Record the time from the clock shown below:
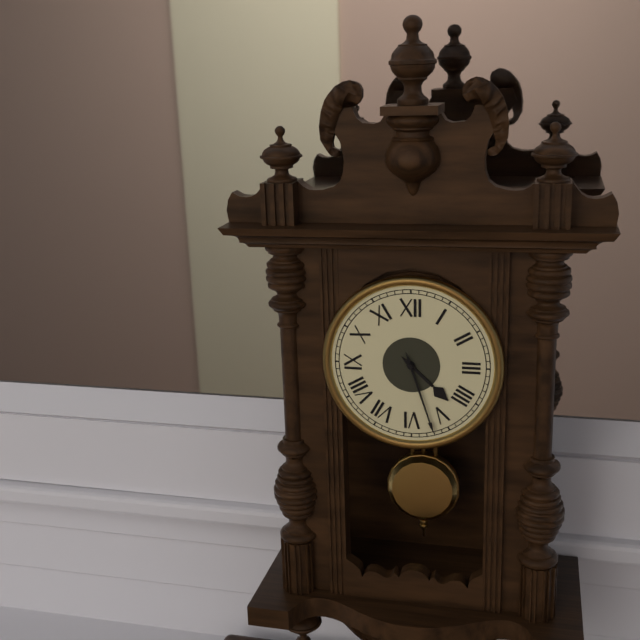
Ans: 4:27
